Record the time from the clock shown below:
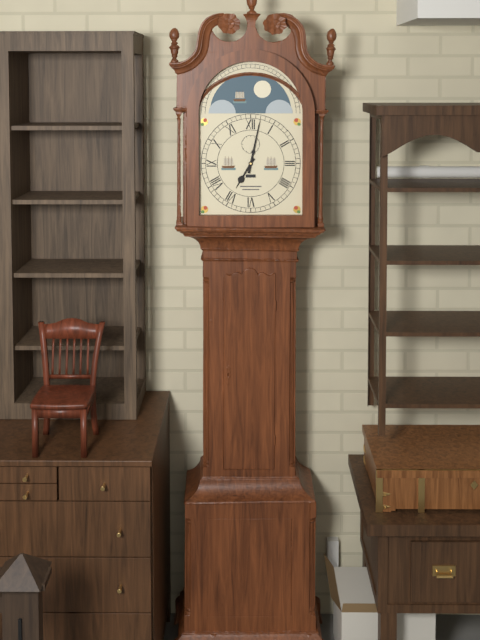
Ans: 7:02
